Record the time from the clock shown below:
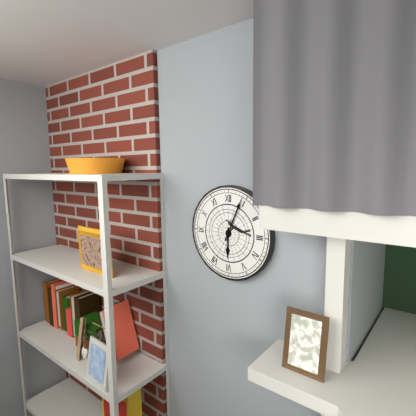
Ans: 6:04
